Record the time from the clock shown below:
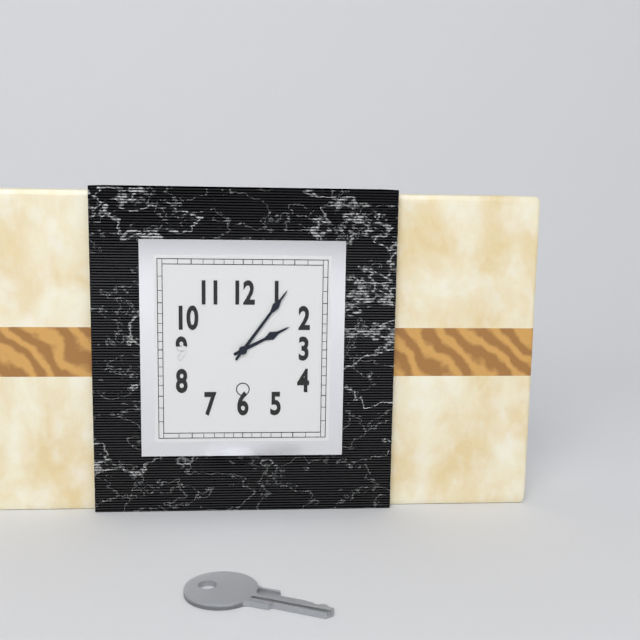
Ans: 2:06
